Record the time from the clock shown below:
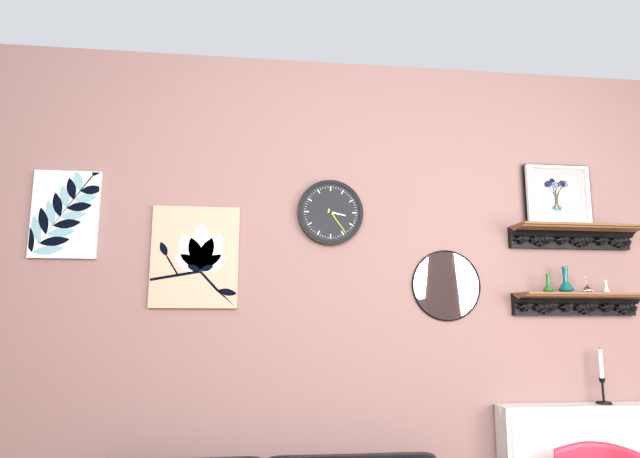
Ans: 3:24
